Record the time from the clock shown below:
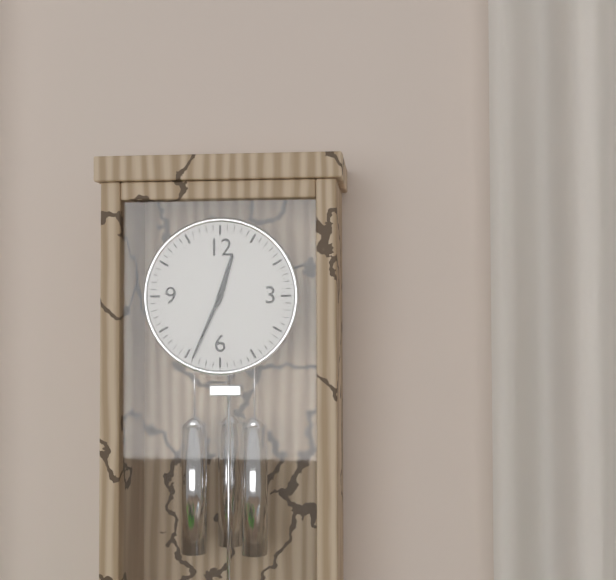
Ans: 12:34
